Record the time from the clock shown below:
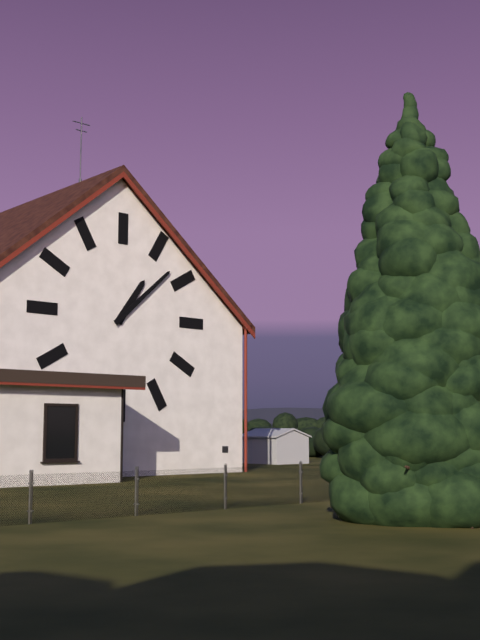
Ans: 1:08
